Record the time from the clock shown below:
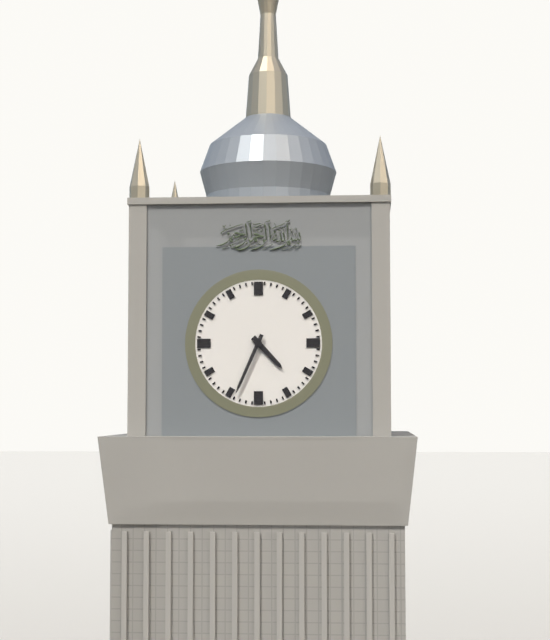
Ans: 4:34
